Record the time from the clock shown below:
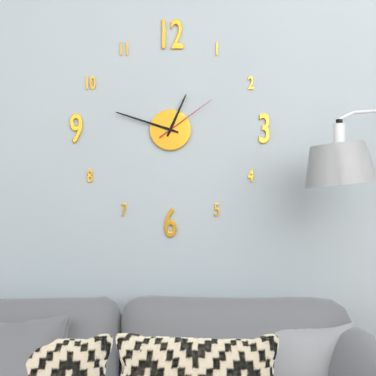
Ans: 12:48:09
